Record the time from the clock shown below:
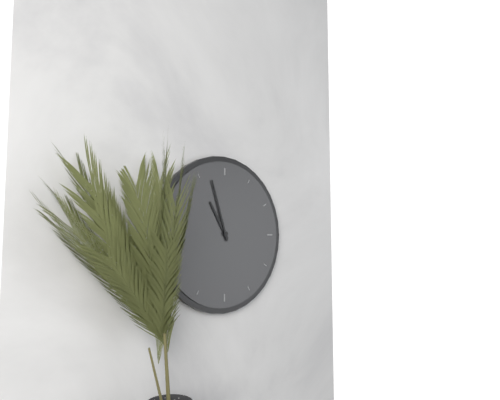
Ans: 10:57
